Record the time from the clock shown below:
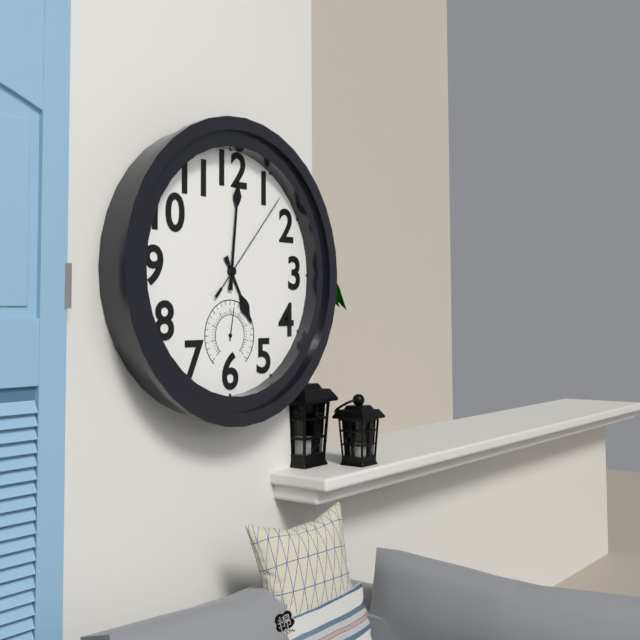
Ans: 5:01:07
